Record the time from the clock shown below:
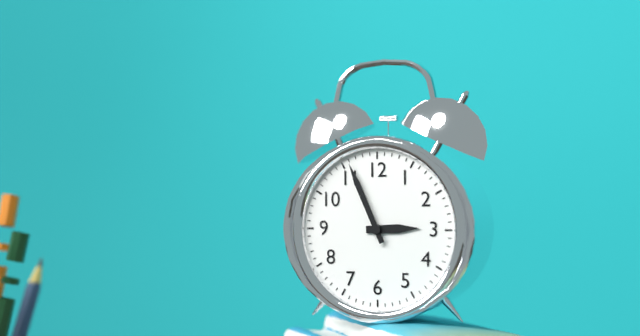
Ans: 2:56
